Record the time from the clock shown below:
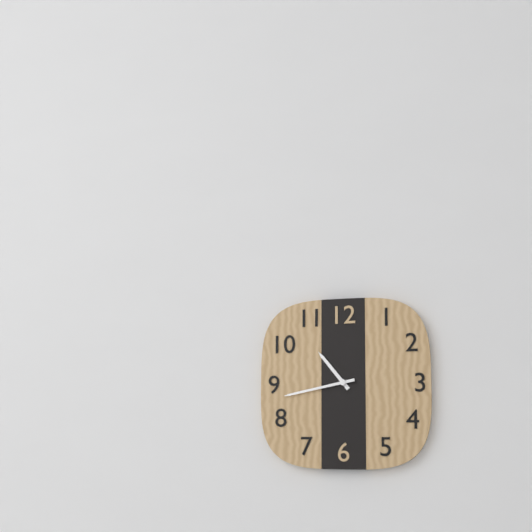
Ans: 10:43
